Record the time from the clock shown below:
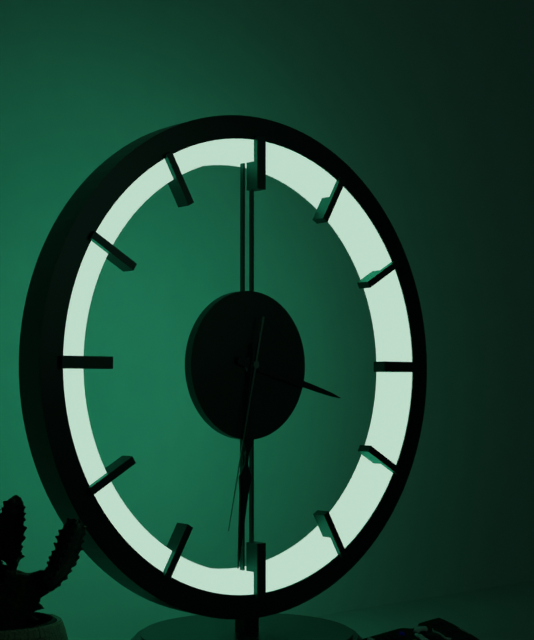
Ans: 3:31:32
